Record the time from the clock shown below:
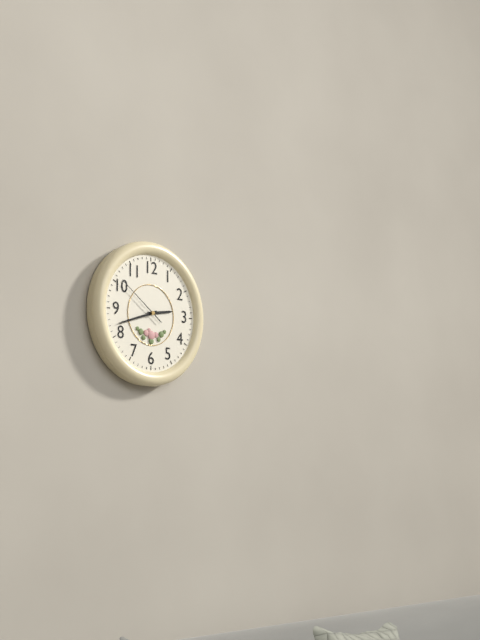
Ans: 2:42:51
